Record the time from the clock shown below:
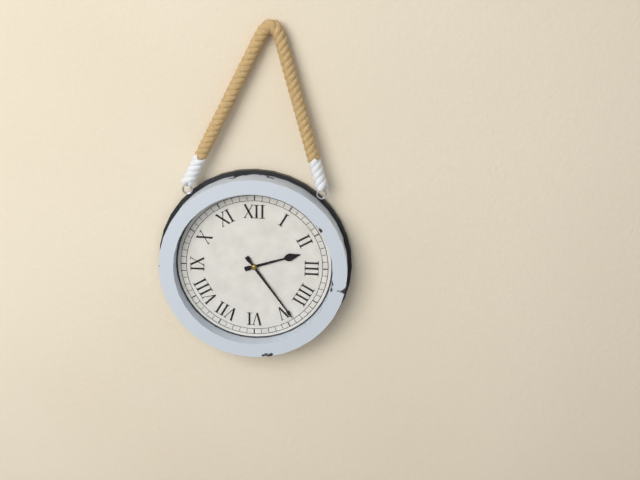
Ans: 2:24
